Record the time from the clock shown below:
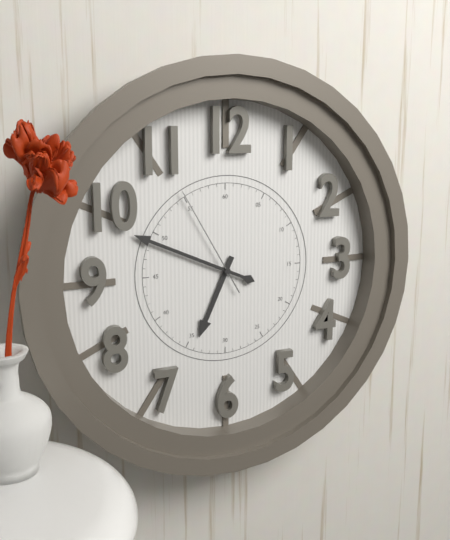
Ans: 6:49:55
